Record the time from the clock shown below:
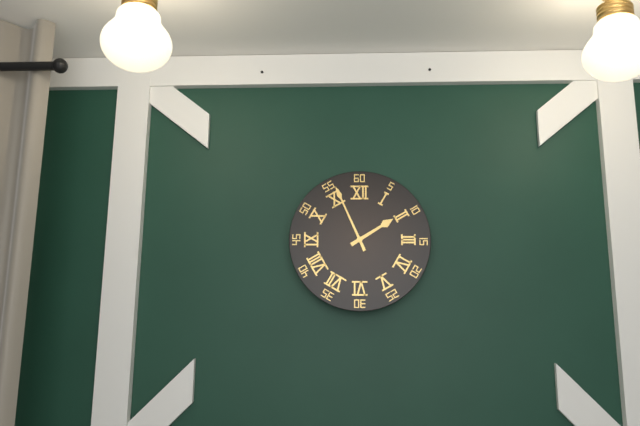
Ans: 1:56
